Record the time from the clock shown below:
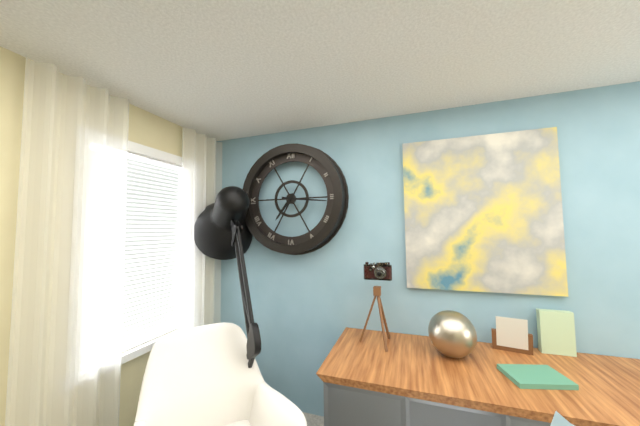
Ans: 7:16
